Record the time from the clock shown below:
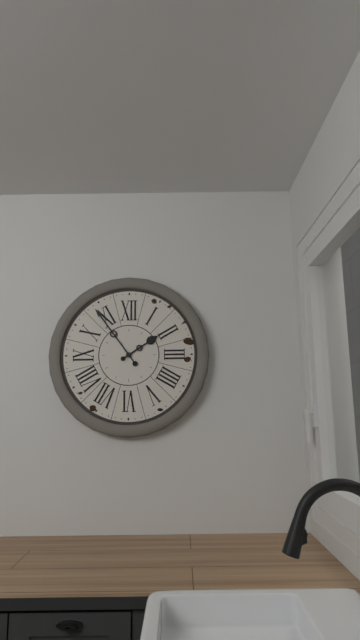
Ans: 1:54
